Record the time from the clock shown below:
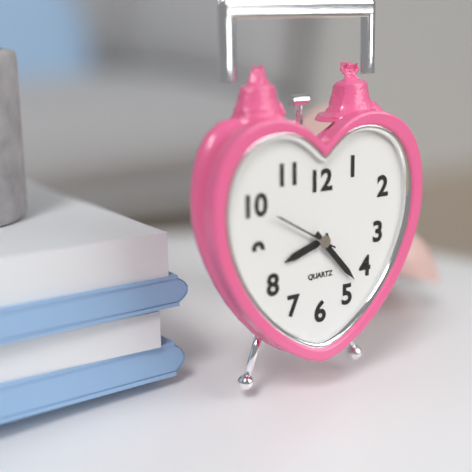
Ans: 8:23
